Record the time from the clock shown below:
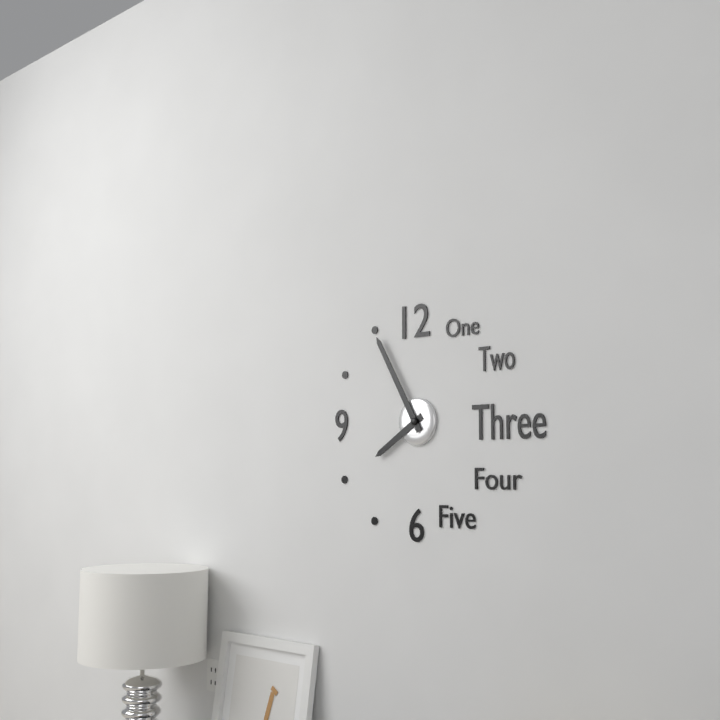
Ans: 7:55
